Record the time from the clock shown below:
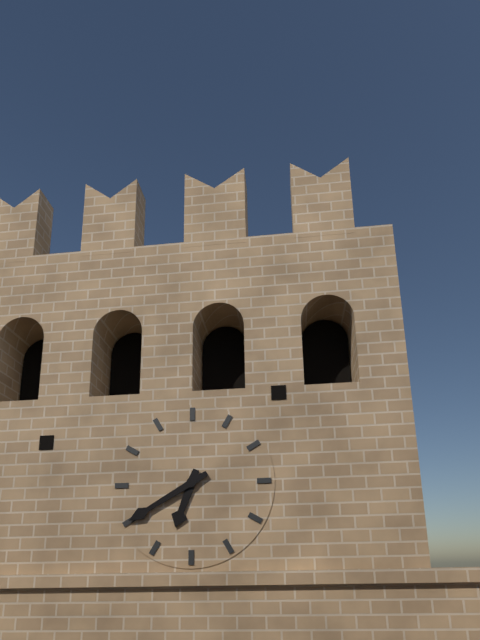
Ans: 6:40
